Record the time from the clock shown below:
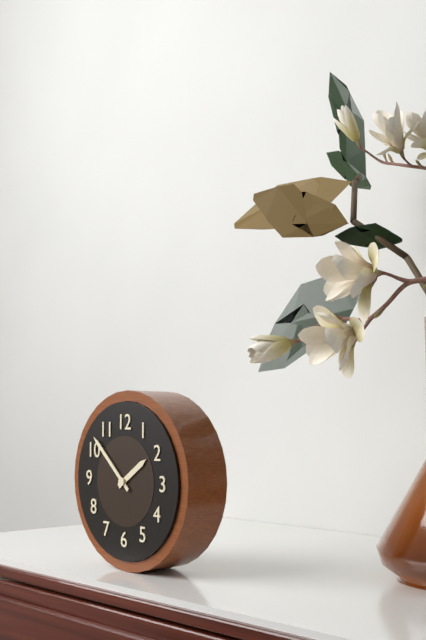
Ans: 1:52
